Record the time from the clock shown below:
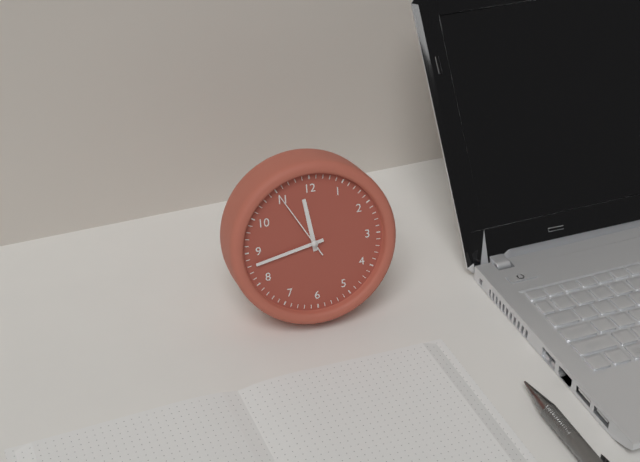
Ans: 11:43:55
